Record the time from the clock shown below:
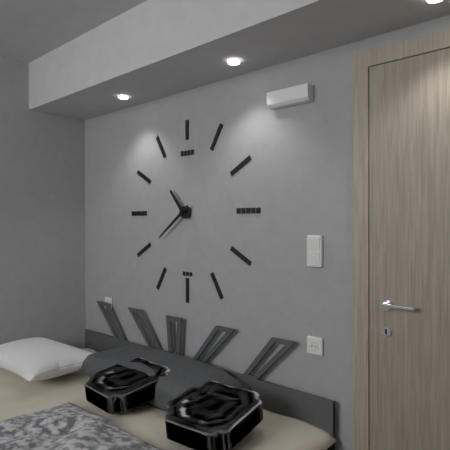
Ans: 10:39
